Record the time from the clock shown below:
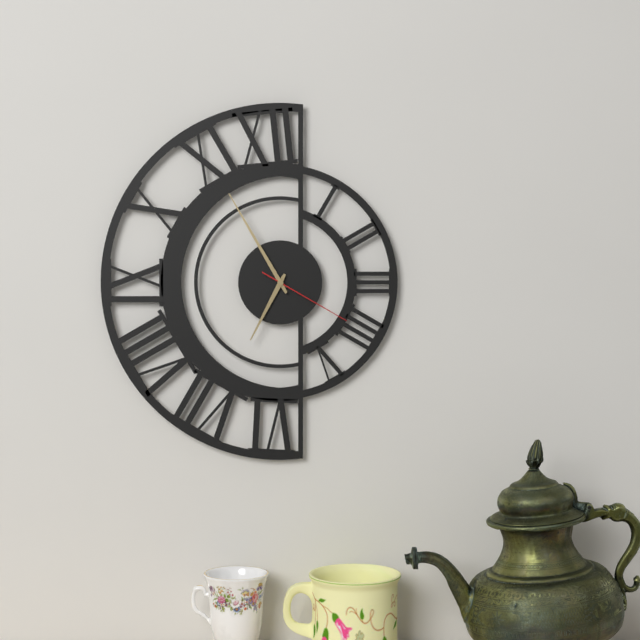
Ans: 6:55:20
